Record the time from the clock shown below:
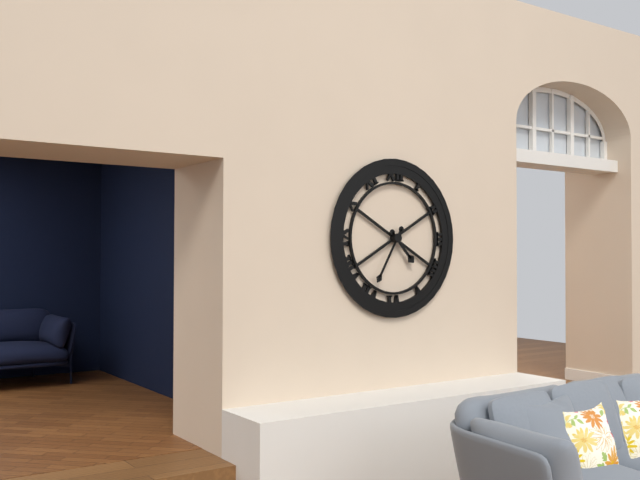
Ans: 4:35
